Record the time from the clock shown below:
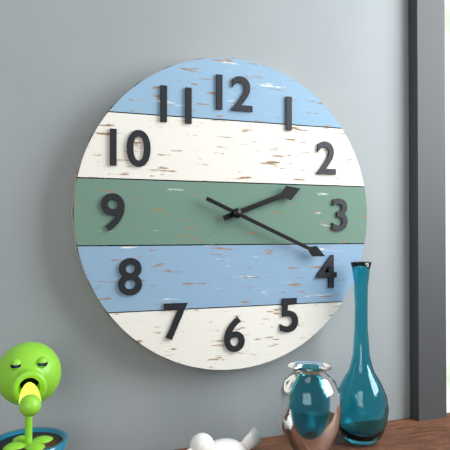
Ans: 2:19
